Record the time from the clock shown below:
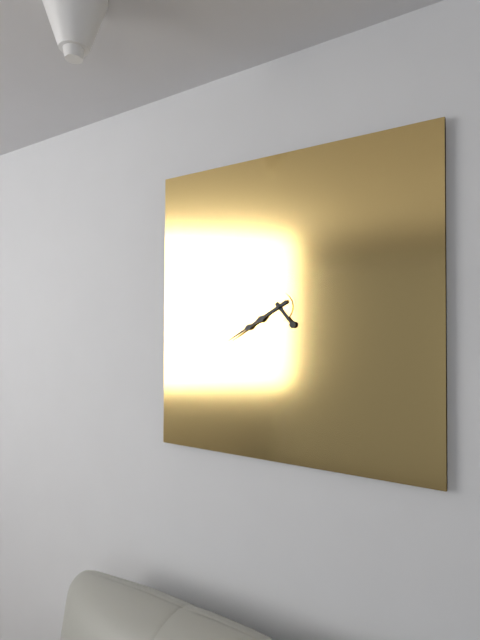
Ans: 4:40
